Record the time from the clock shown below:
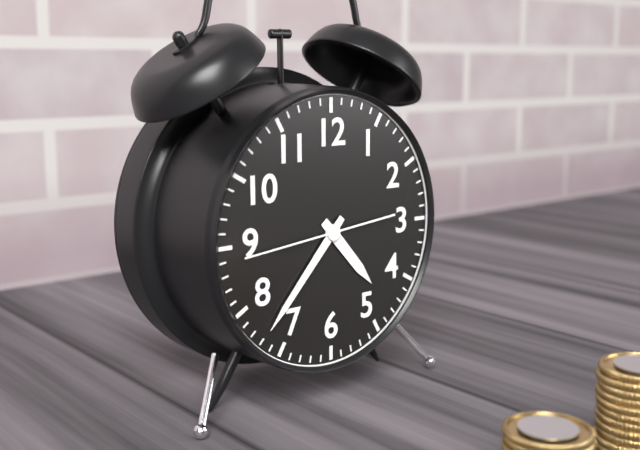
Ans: 4:37:44
